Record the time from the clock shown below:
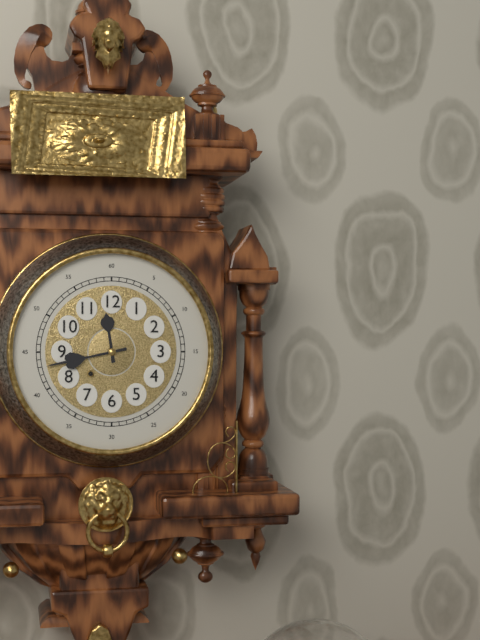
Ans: 11:43
